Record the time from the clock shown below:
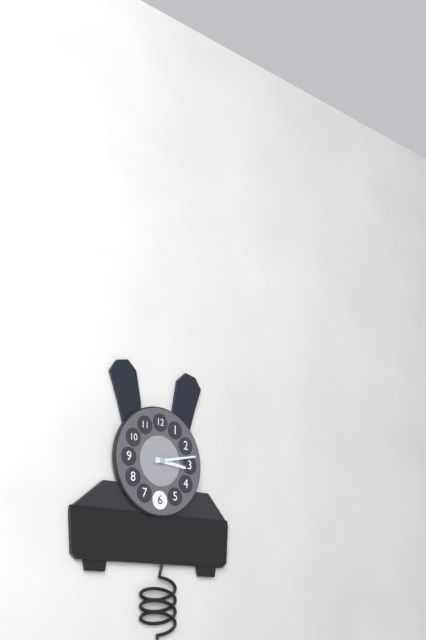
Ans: 3:13
